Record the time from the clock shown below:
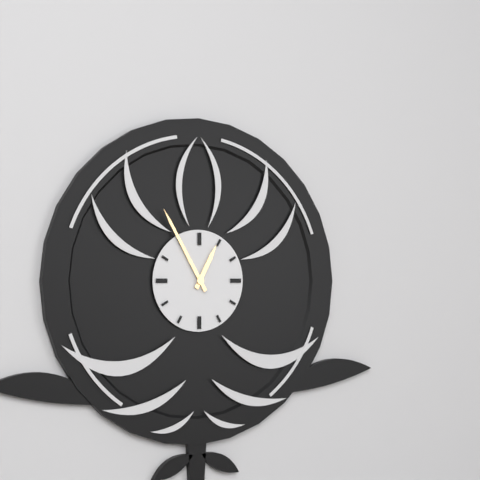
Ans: 12:55
